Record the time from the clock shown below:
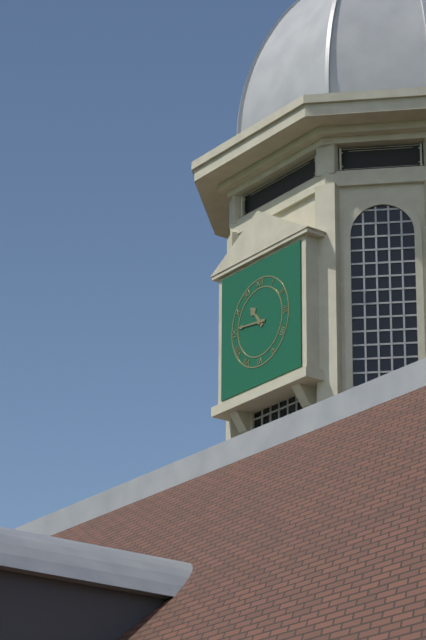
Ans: 10:46
